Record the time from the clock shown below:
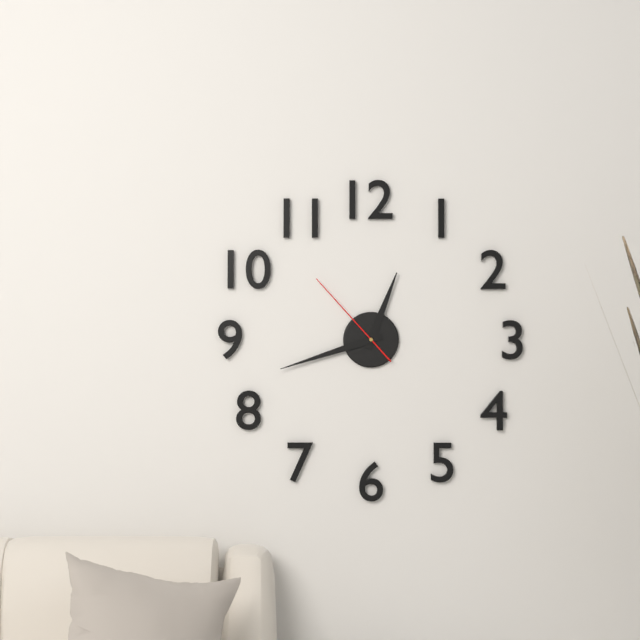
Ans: 12:42:53
